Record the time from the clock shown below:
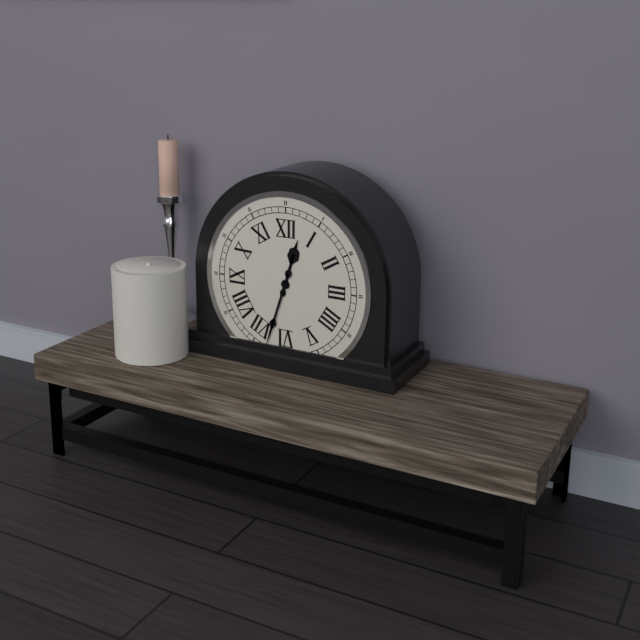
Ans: 12:33
